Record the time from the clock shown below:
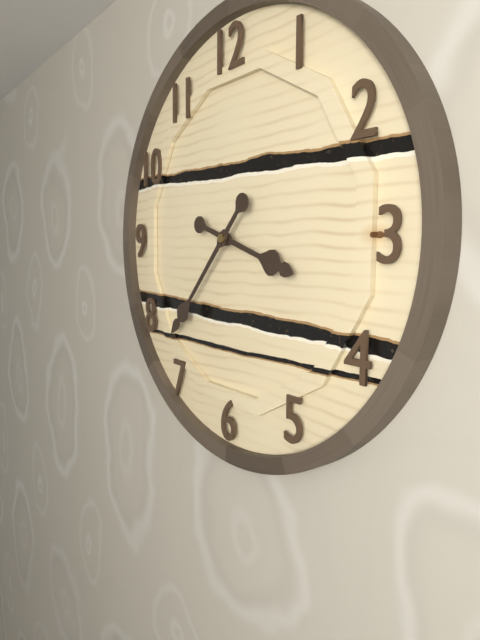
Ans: 3:37
